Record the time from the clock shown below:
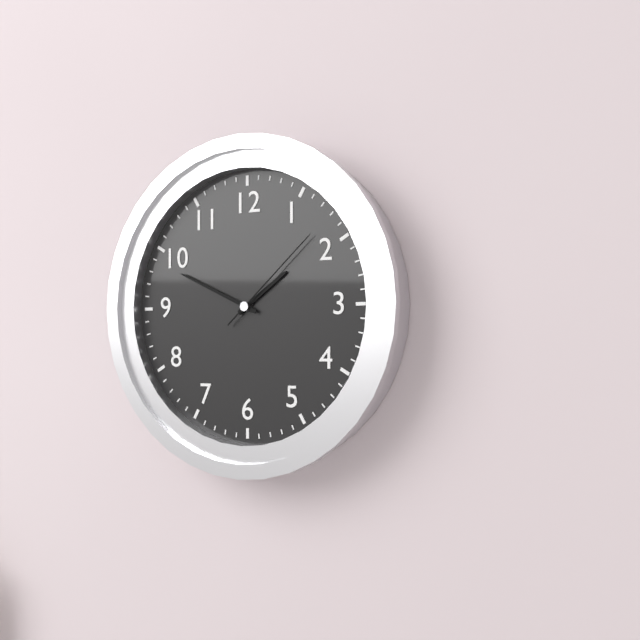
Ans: 1:49:08
